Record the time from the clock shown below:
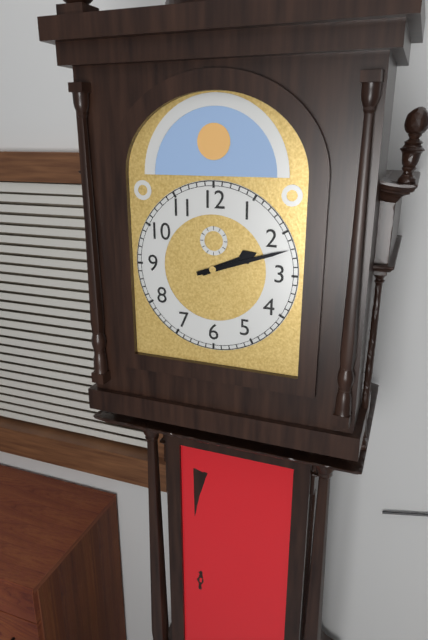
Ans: 2:12
